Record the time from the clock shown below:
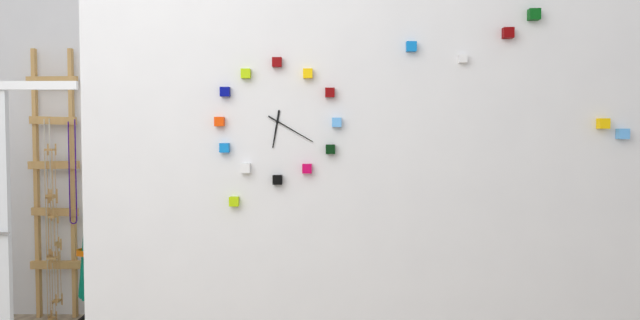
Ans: 6:20
